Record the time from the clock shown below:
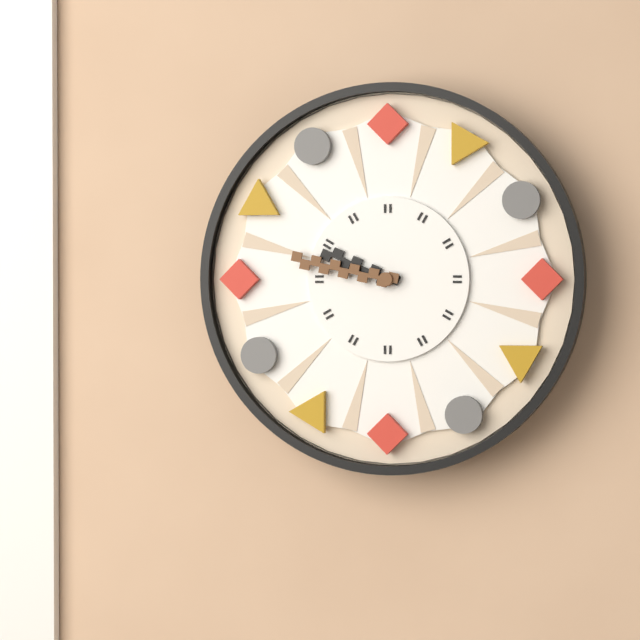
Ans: 9:47
